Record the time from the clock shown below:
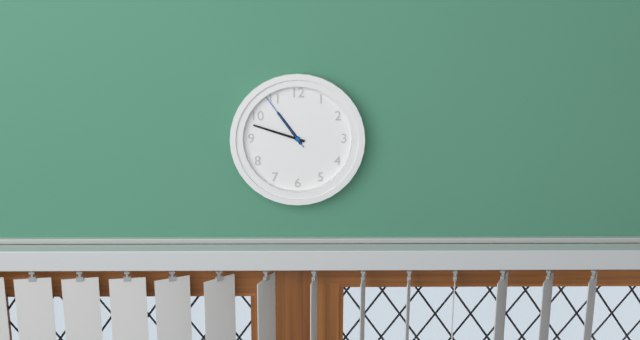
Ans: 10:48:54
